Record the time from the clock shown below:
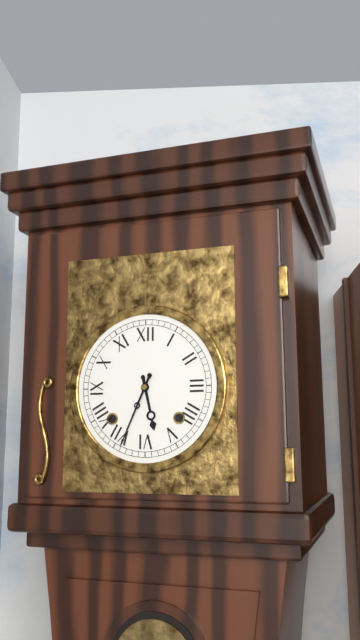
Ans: 5:34
